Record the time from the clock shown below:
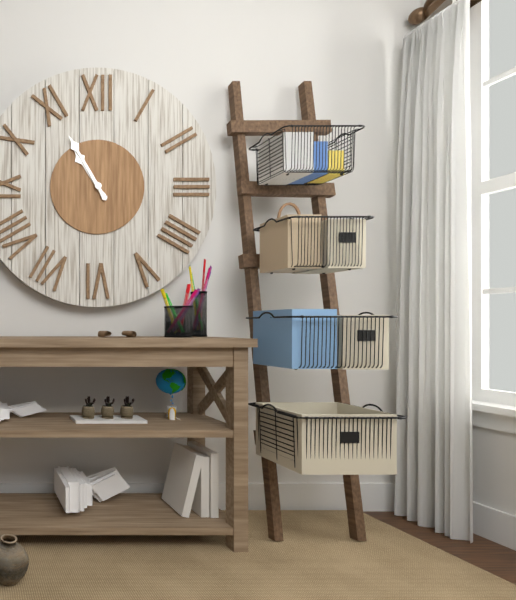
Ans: 10:55
